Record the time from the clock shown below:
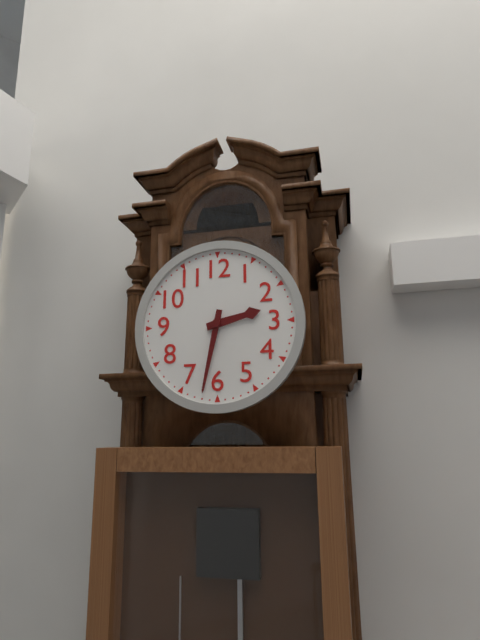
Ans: 2:32
